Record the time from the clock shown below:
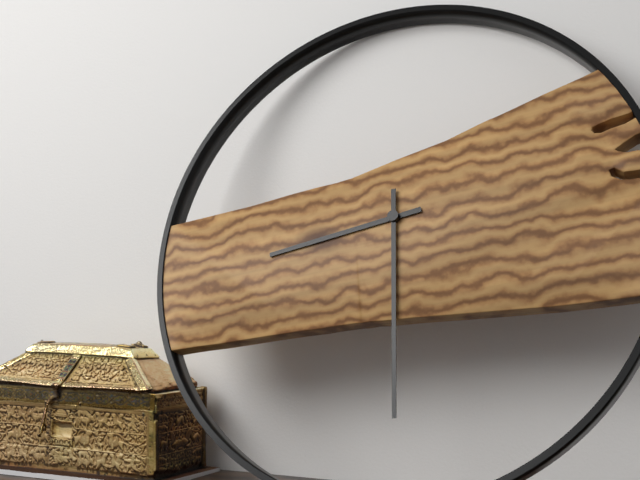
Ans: 8:29
